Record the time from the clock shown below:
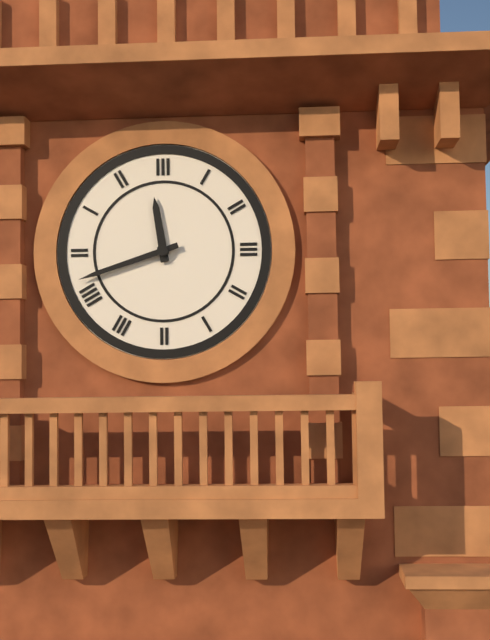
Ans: 11:42
